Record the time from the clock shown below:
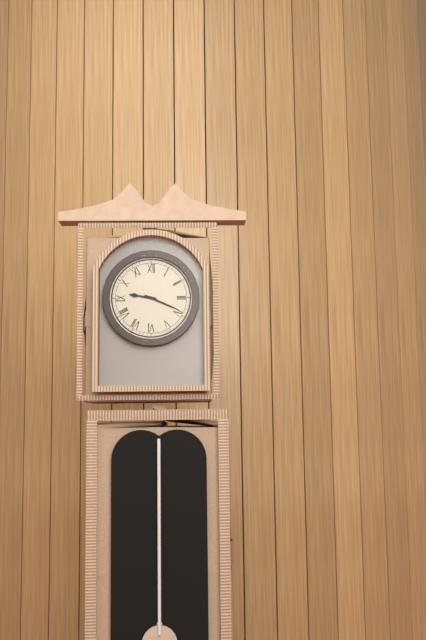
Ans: 9:19
